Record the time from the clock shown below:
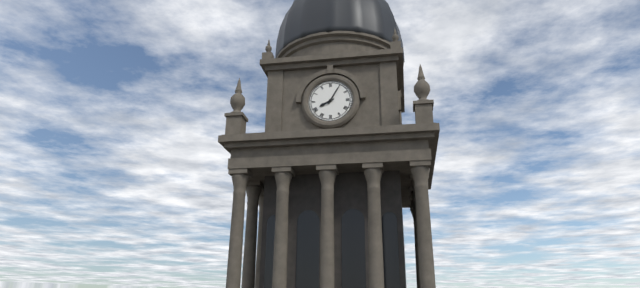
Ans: 8:05
